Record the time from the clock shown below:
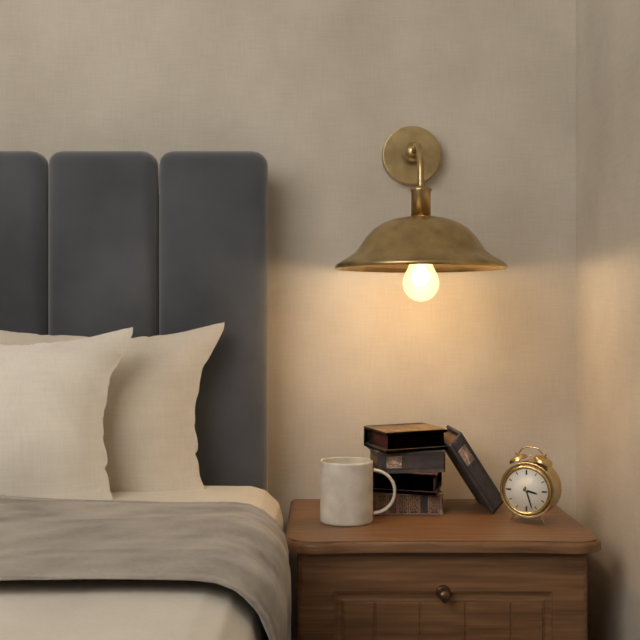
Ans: 3:27
